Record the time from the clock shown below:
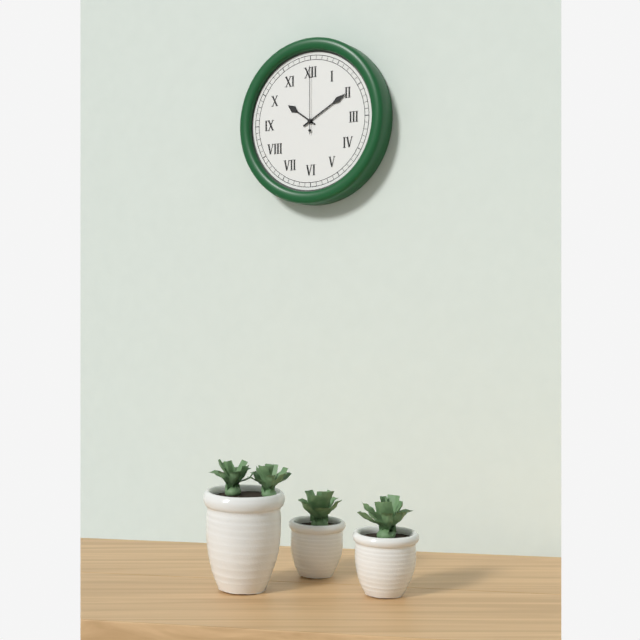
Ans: 10:10:00
